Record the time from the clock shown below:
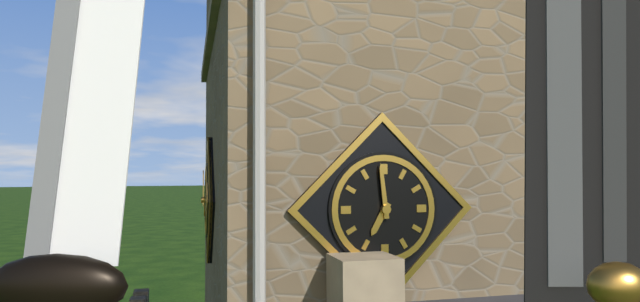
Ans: 6:59
